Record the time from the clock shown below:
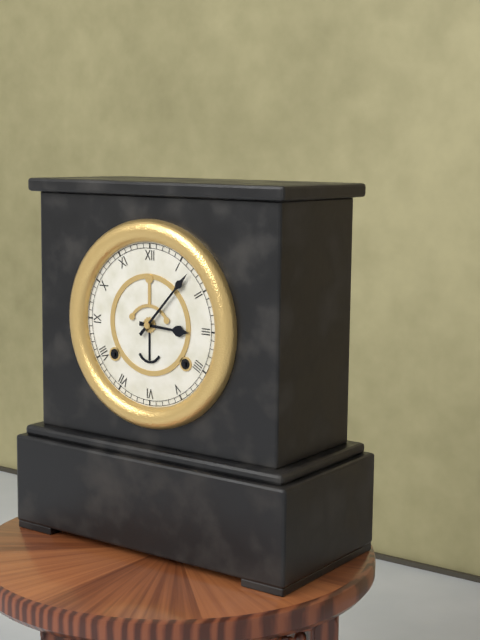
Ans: 3:07
